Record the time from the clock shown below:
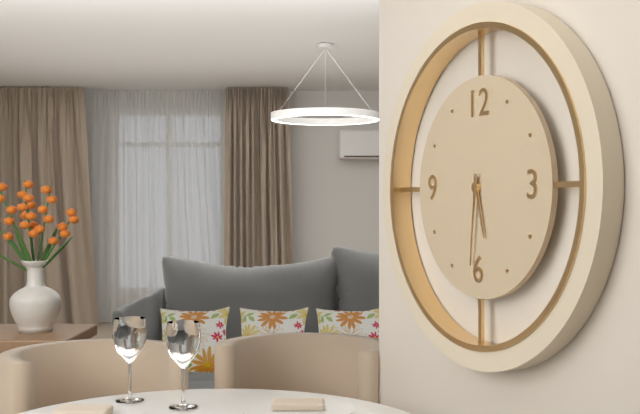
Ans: 5:31
